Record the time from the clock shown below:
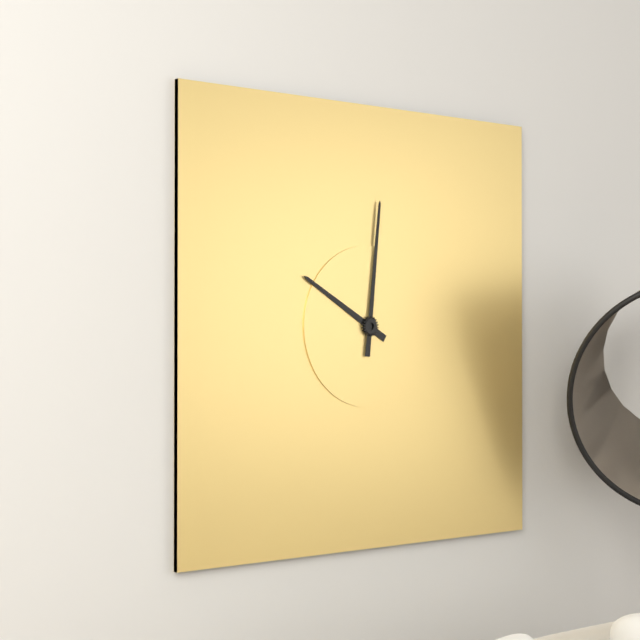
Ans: 10:01
